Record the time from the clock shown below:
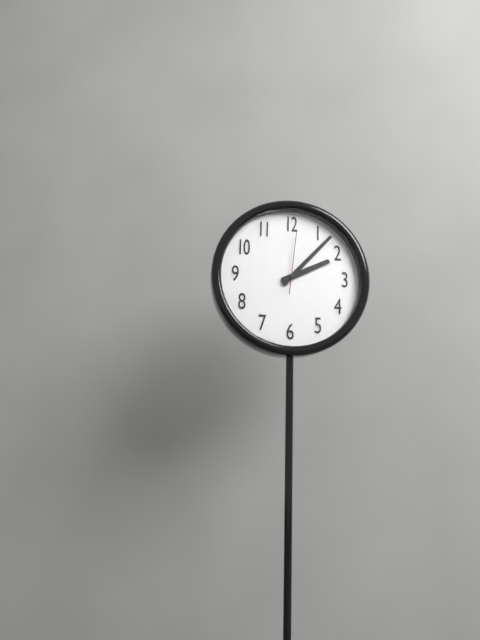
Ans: 2:07:01
